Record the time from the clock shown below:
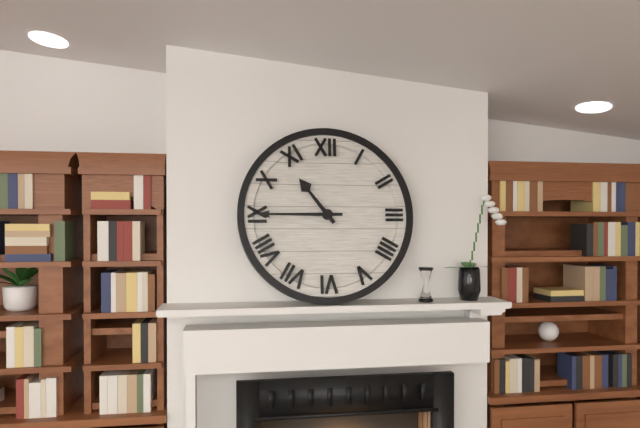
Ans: 10:45
